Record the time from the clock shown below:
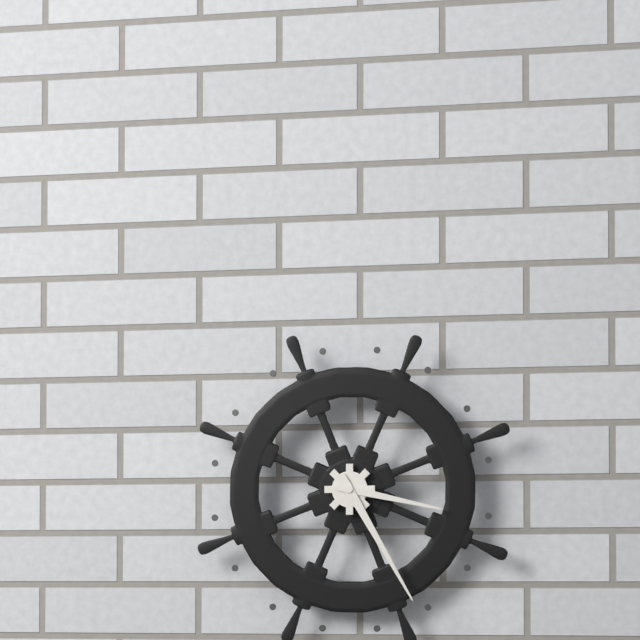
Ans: 3:25
